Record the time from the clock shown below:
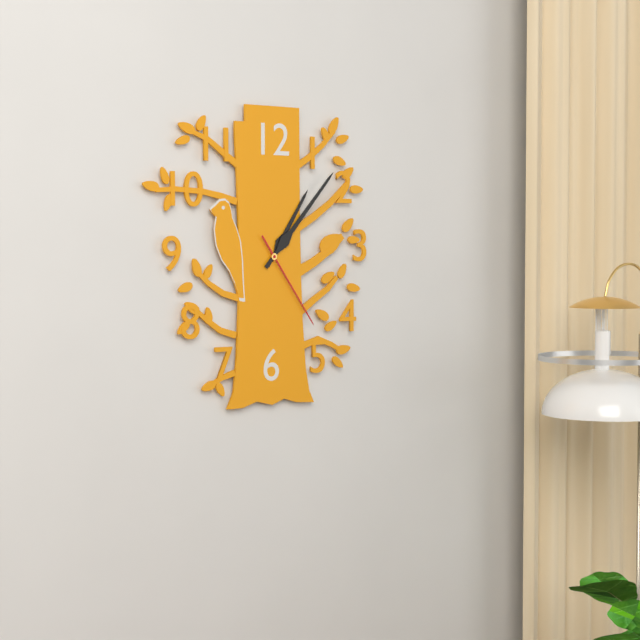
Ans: 1:07:24
